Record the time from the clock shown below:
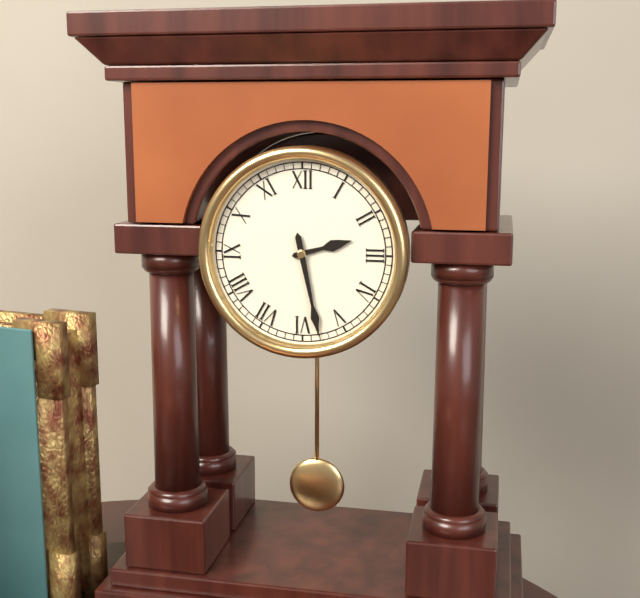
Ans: 2:28
